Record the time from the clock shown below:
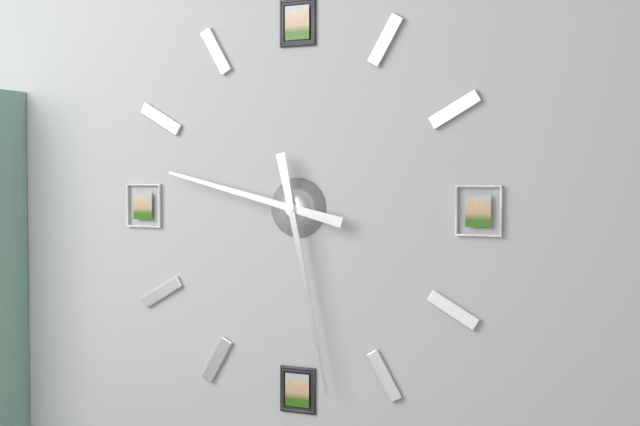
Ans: 9:28
